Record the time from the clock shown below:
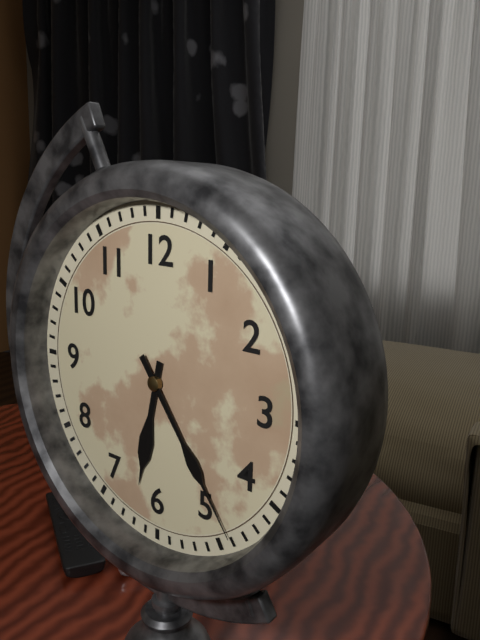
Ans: 6:24
